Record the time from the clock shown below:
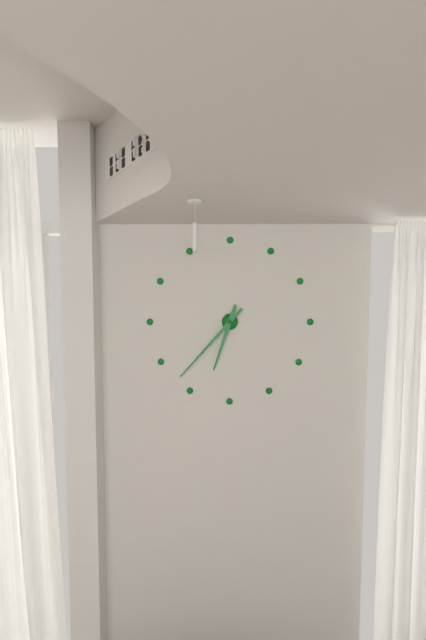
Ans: 6:37
